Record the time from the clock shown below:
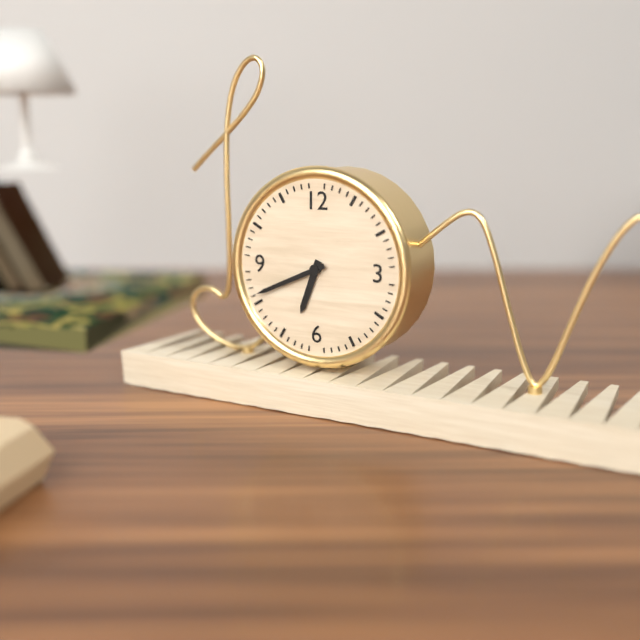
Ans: 6:41
